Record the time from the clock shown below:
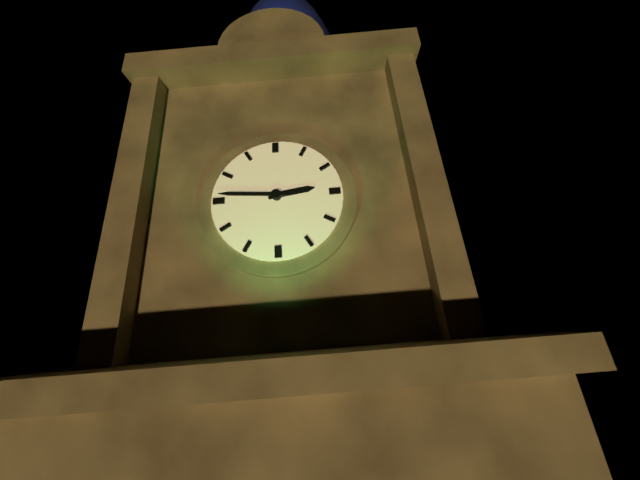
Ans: 2:46
